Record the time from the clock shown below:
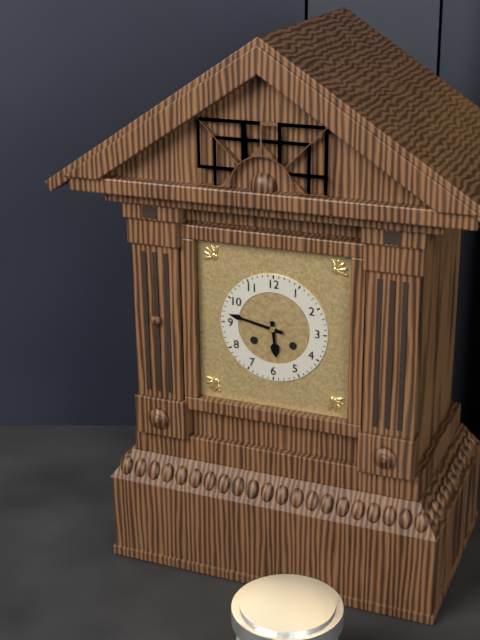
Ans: 5:47
